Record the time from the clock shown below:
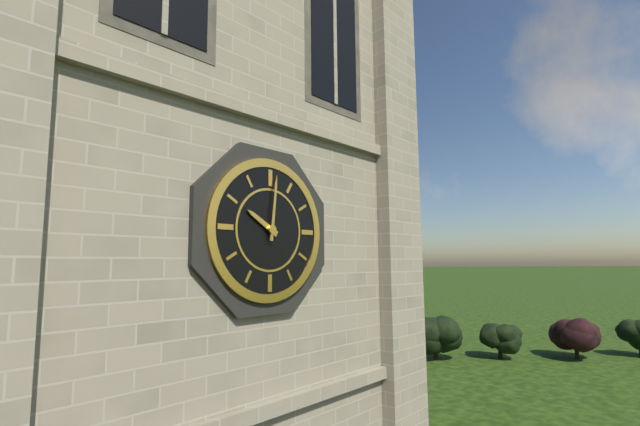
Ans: 10:01
